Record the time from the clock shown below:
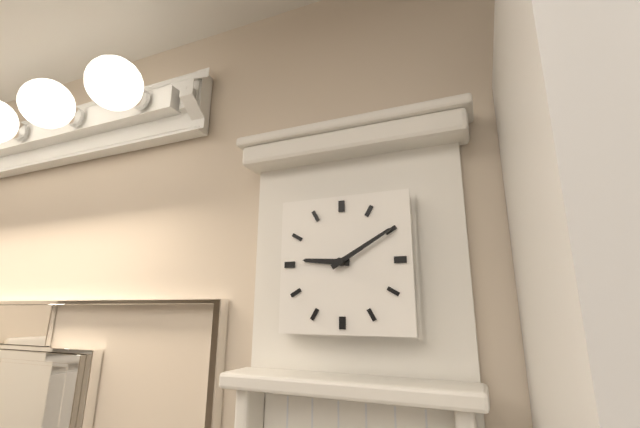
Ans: 9:10
